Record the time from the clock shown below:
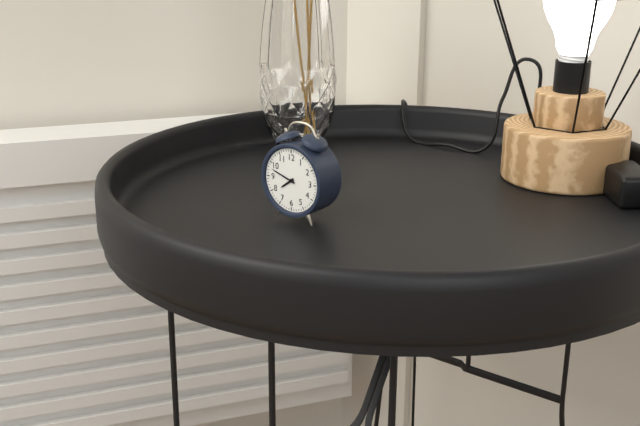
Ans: 7:48
